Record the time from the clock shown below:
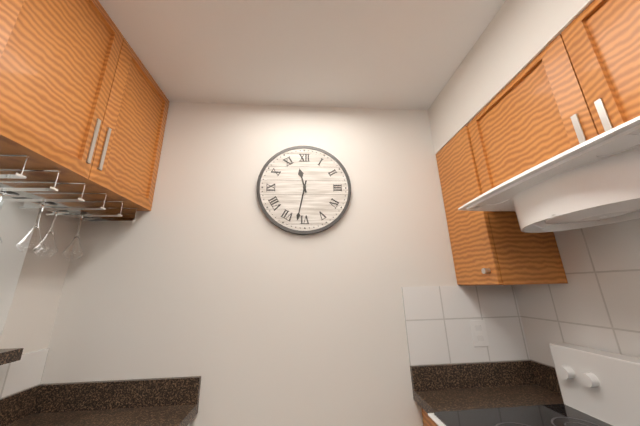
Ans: 11:32
